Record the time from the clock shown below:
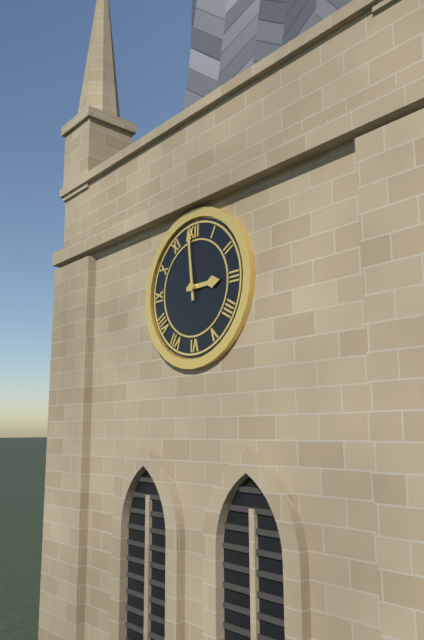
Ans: 2:59
